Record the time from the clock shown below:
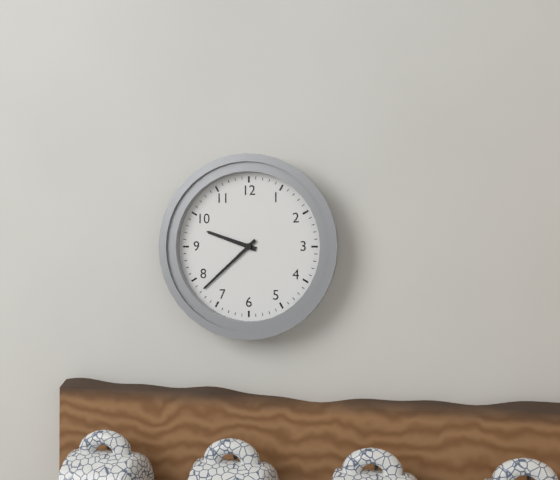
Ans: 9:38
